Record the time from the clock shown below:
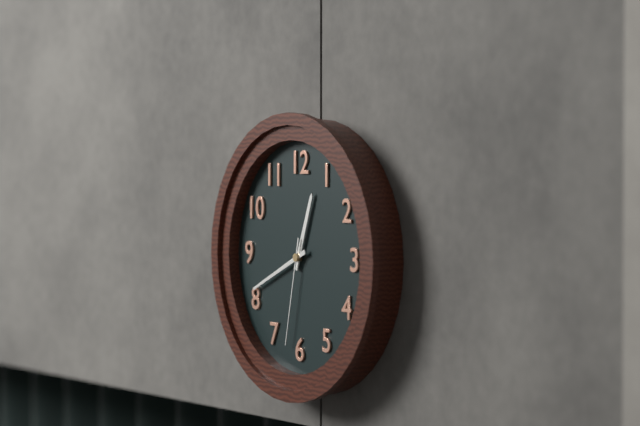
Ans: 12:41:32
